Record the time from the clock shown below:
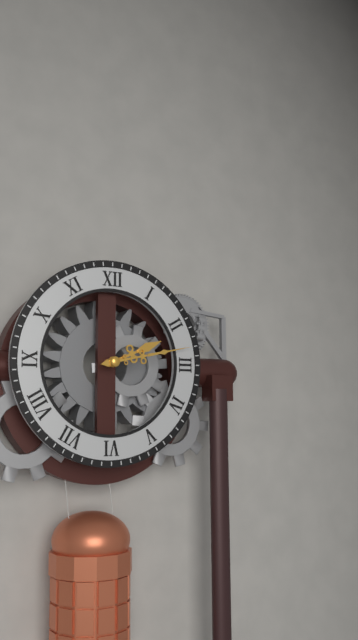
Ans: 2:13
